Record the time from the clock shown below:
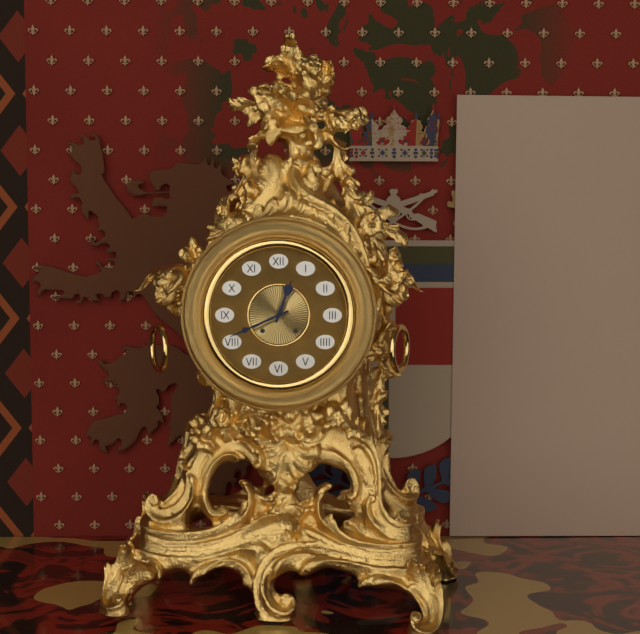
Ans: 12:41
